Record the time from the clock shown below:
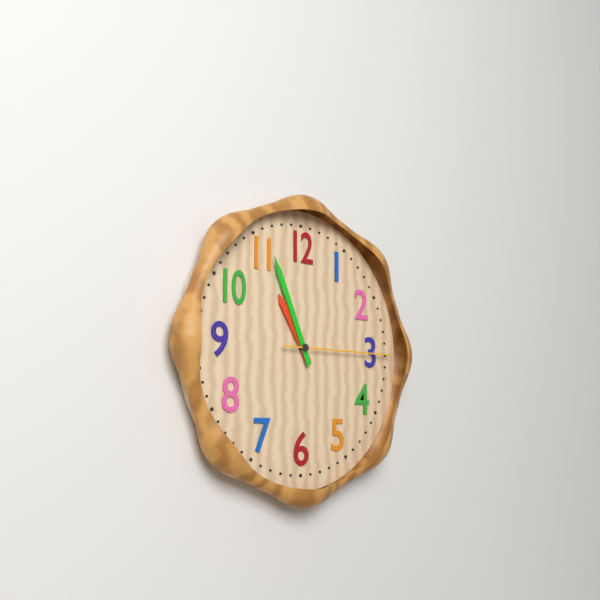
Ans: 10:56:15
